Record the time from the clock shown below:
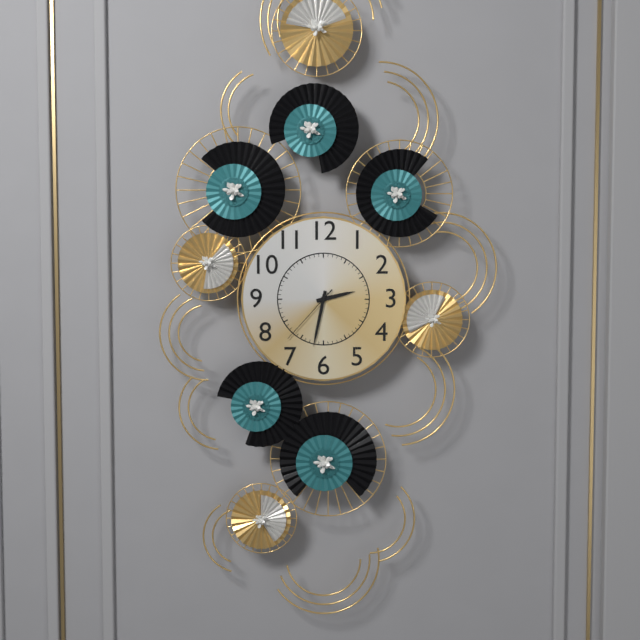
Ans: 2:32:37
